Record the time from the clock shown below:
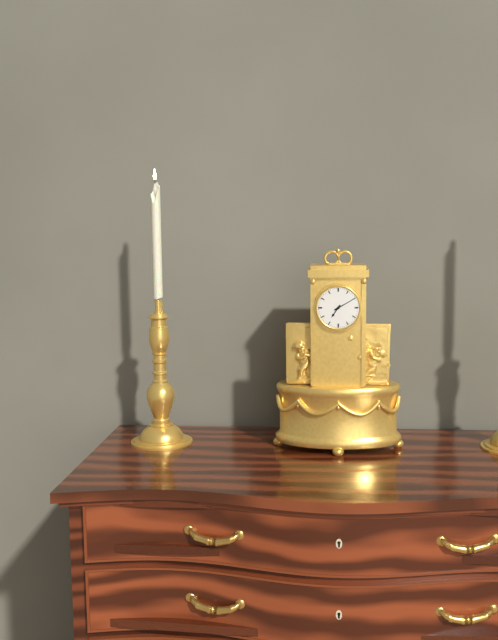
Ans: 7:10
